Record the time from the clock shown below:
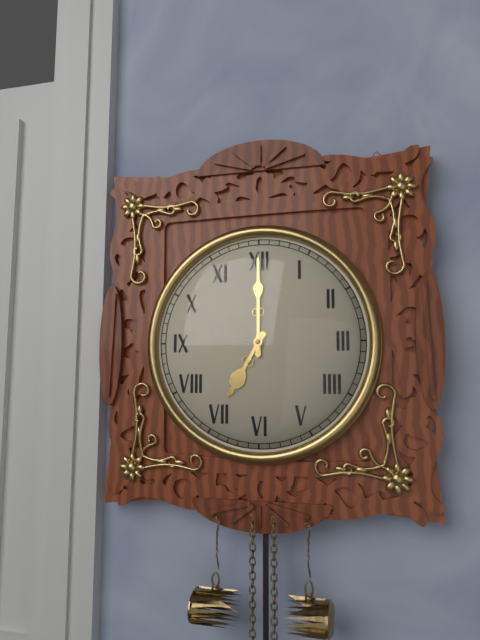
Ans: 7:00
